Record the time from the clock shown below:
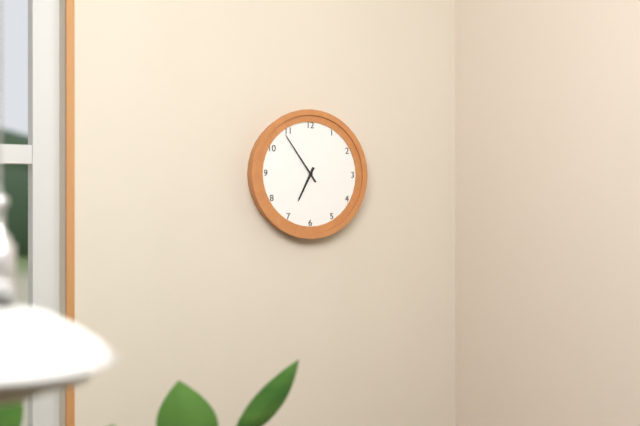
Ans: 6:54
